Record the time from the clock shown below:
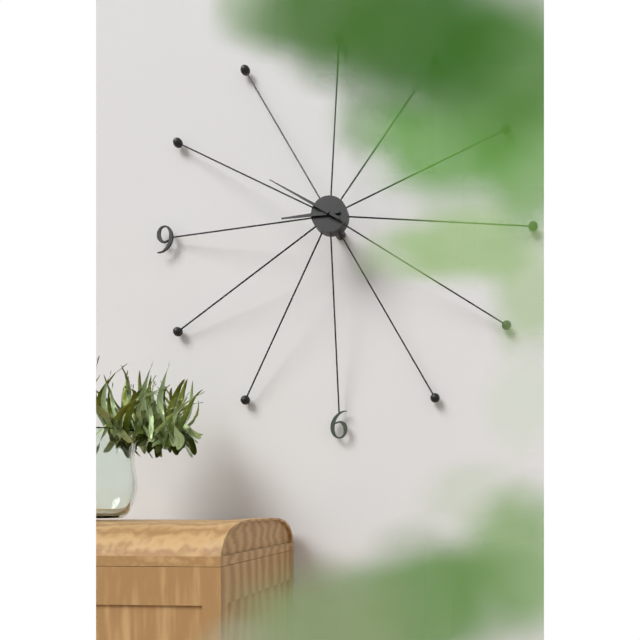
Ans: 8:50
